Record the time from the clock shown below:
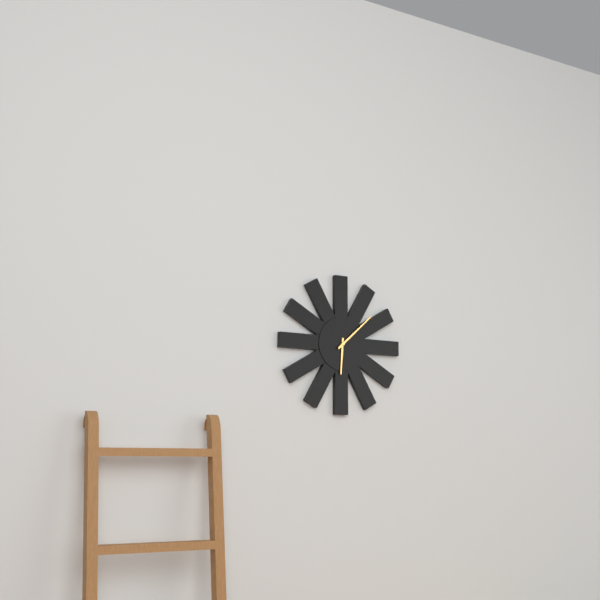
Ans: 6:08
